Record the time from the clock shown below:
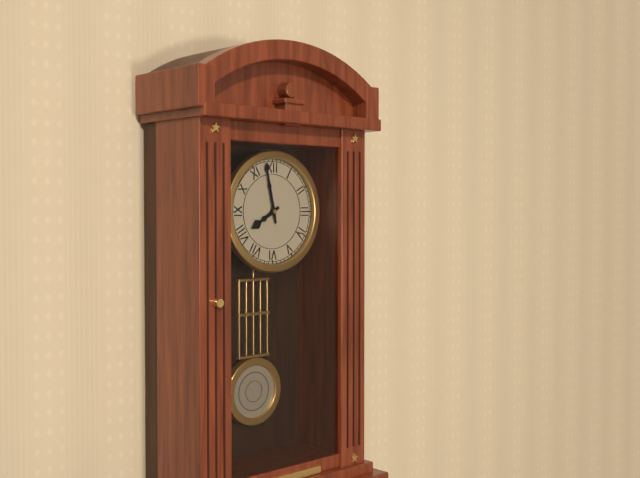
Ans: 7:58
